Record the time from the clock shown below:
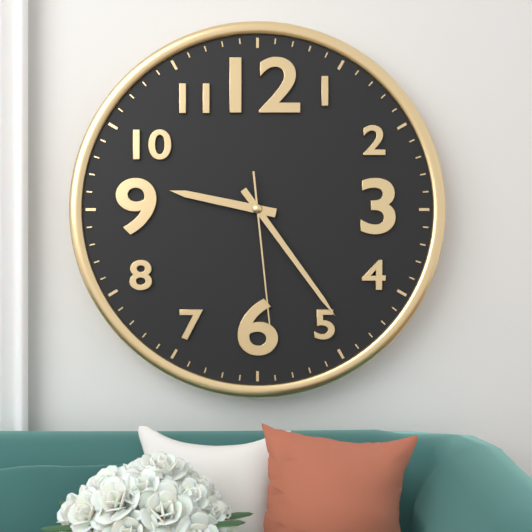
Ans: 9:24:29
